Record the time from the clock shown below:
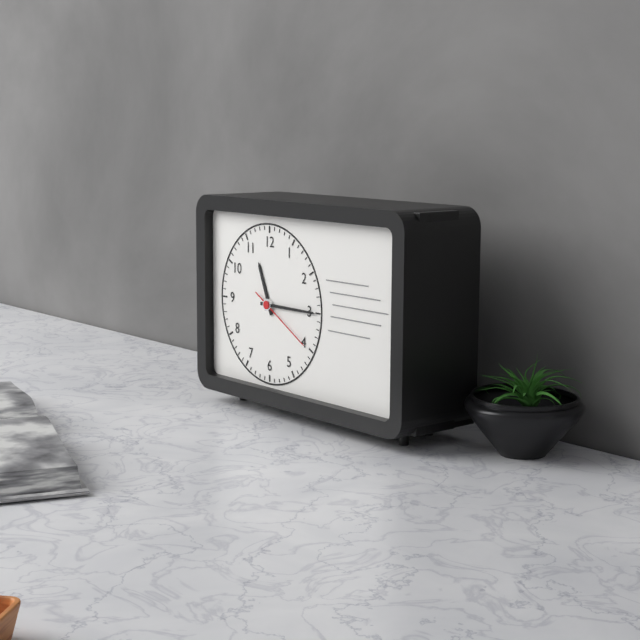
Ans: 11:15:20
